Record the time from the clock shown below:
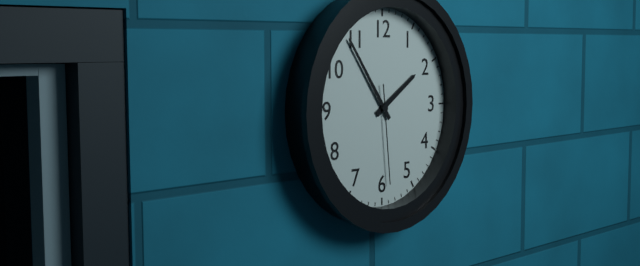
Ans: 1:54:29
